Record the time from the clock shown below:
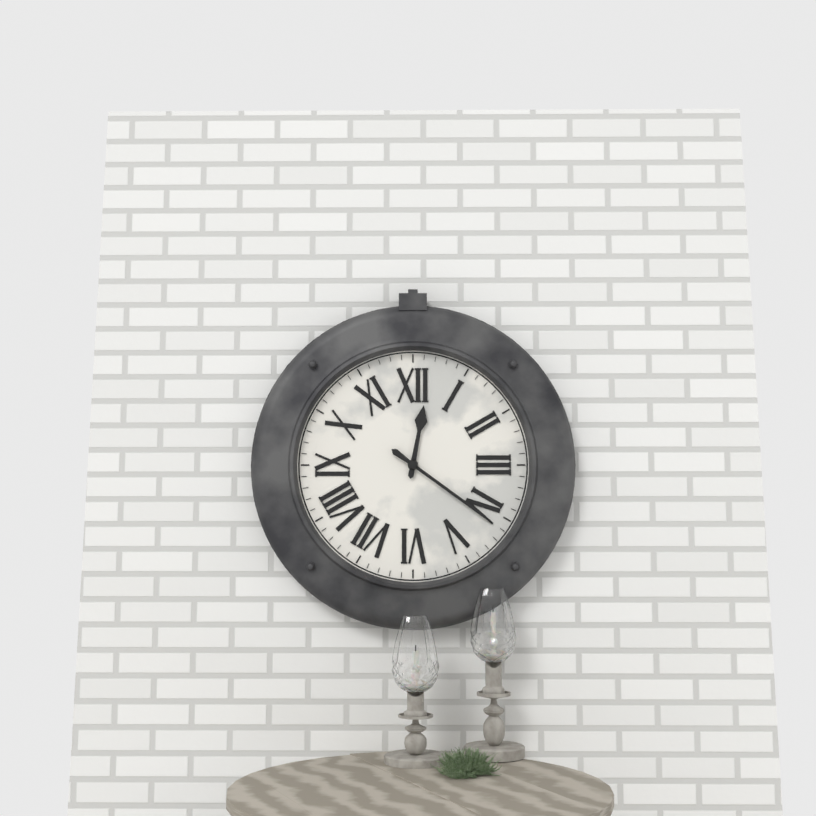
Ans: 12:21
